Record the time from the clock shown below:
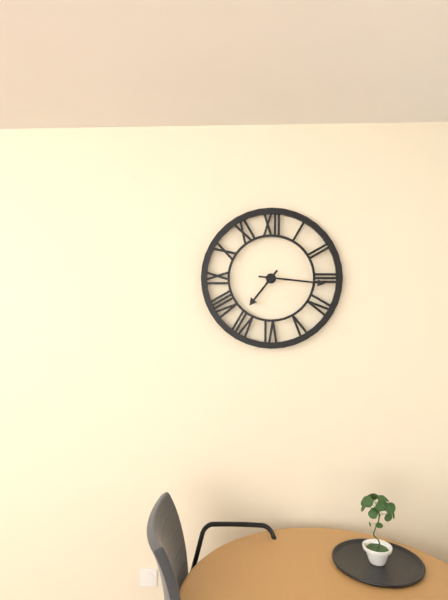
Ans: 7:16
